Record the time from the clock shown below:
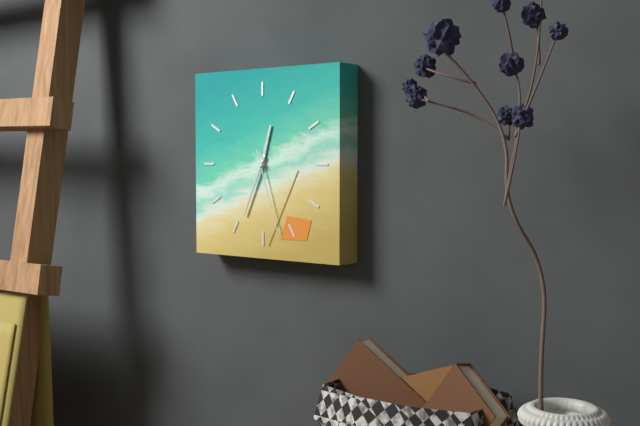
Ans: 12:34:27
